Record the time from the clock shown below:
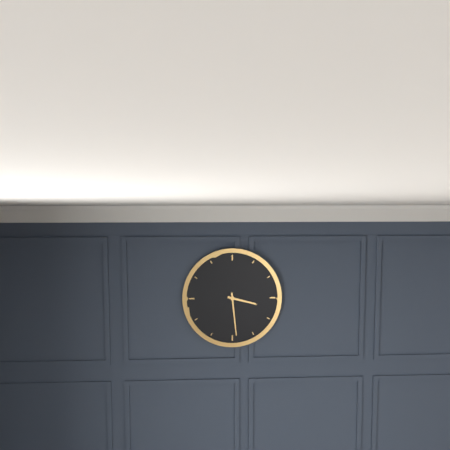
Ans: 3:29
